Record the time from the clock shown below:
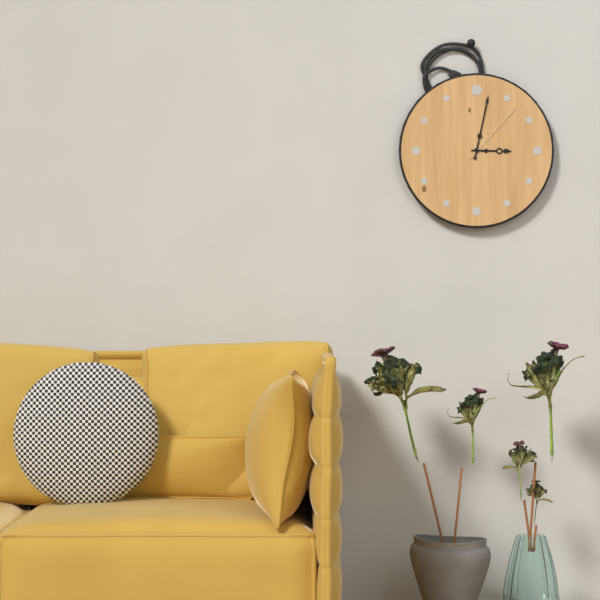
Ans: 3:02:07
